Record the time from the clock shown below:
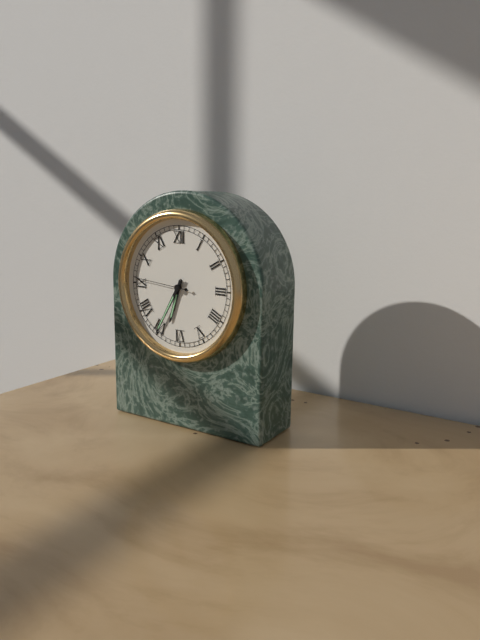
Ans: 6:35:46
